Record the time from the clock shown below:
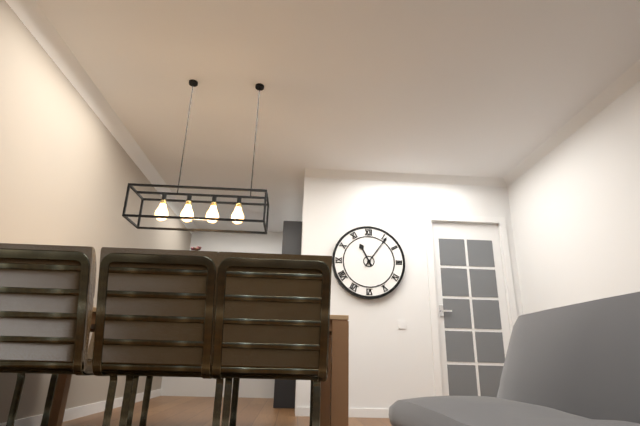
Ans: 11:06
